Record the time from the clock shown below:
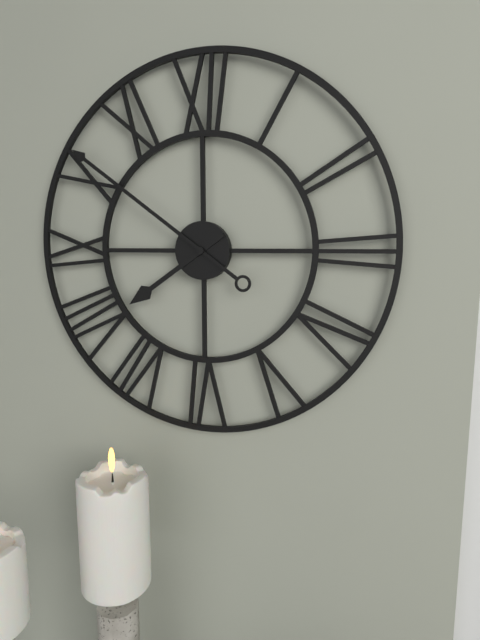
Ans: 7:51
